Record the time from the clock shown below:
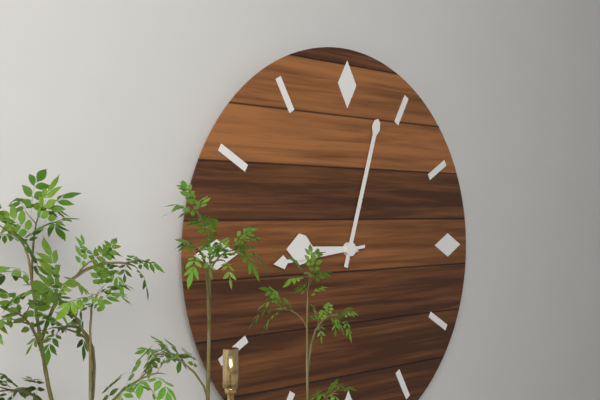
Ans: 9:03:44
